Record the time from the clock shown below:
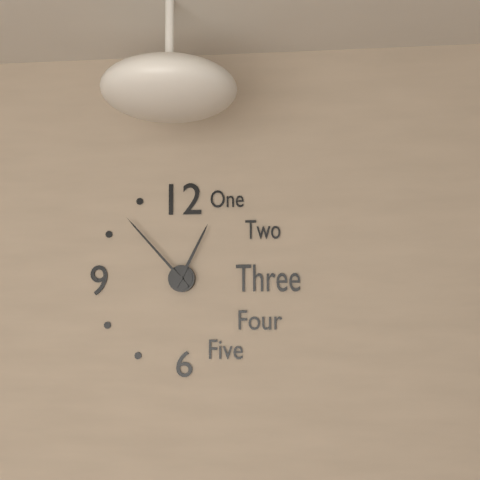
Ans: 12:53
